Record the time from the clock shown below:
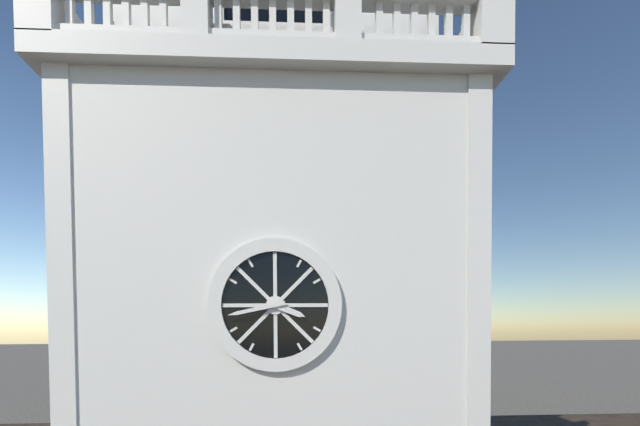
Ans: 3:43
